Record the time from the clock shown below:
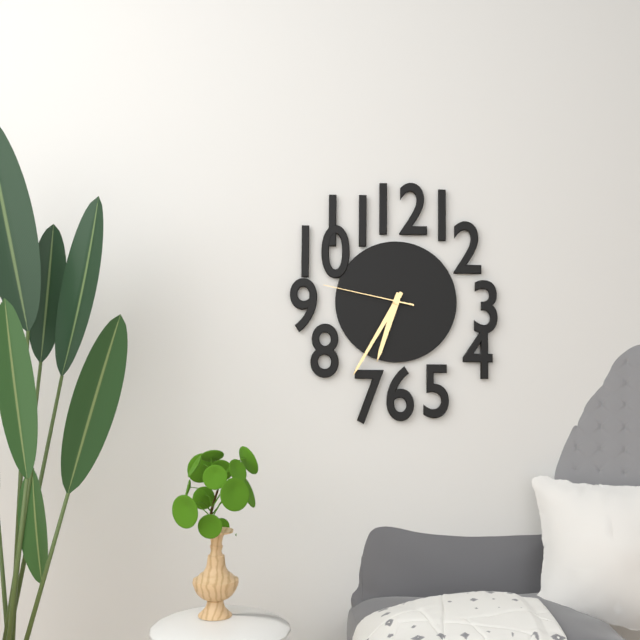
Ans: 6:35:47
